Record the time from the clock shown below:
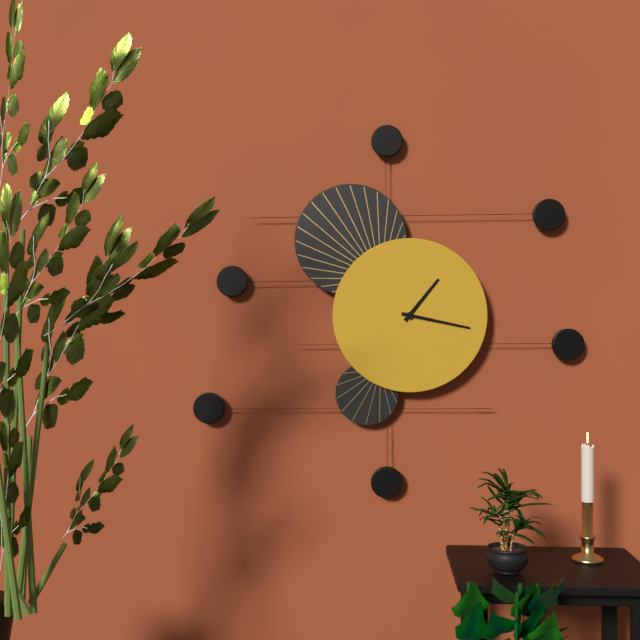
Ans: 1:17
